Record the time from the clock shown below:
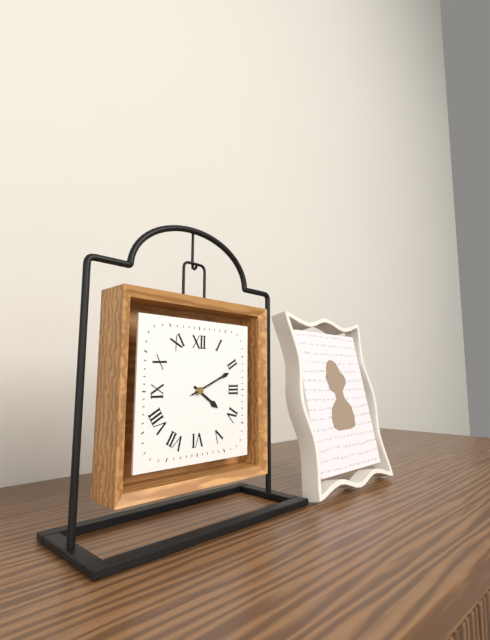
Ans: 4:11
